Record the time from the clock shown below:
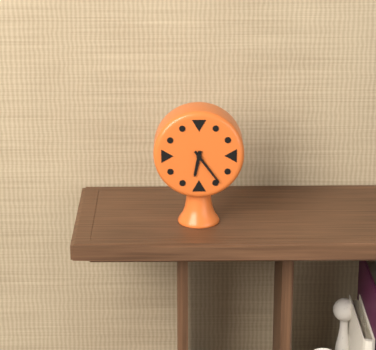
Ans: 6:24
